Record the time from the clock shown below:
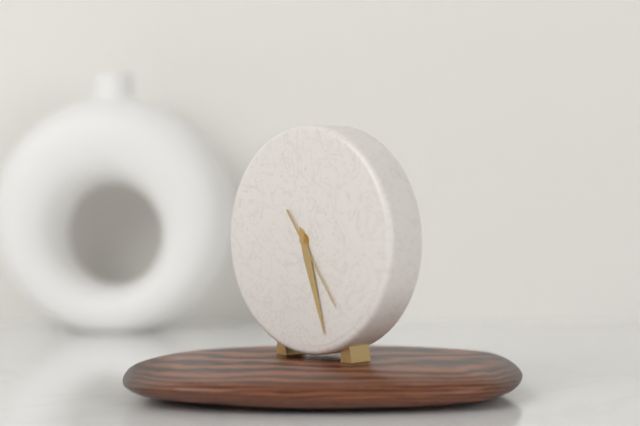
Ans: 5:27:24
